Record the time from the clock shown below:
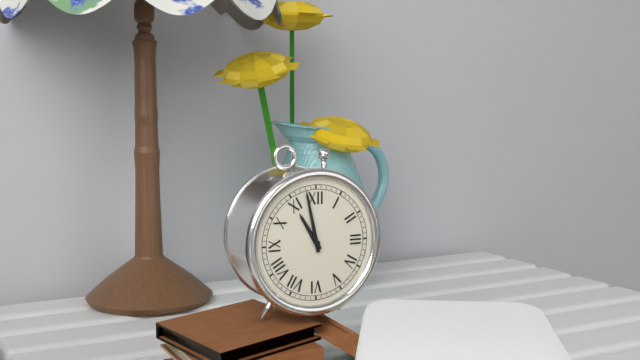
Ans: 10:58
